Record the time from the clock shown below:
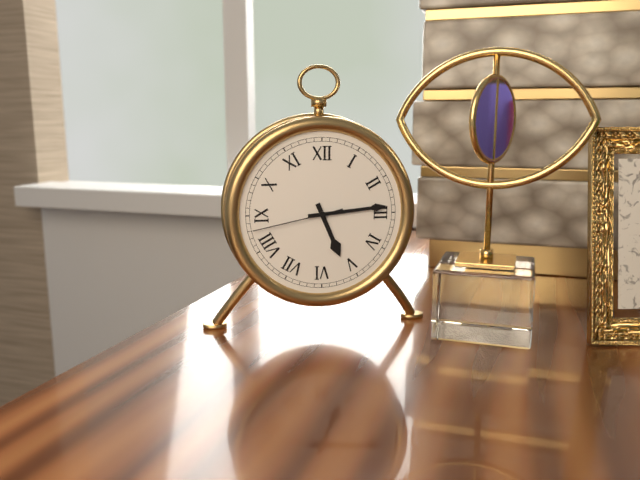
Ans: 5:14:43
